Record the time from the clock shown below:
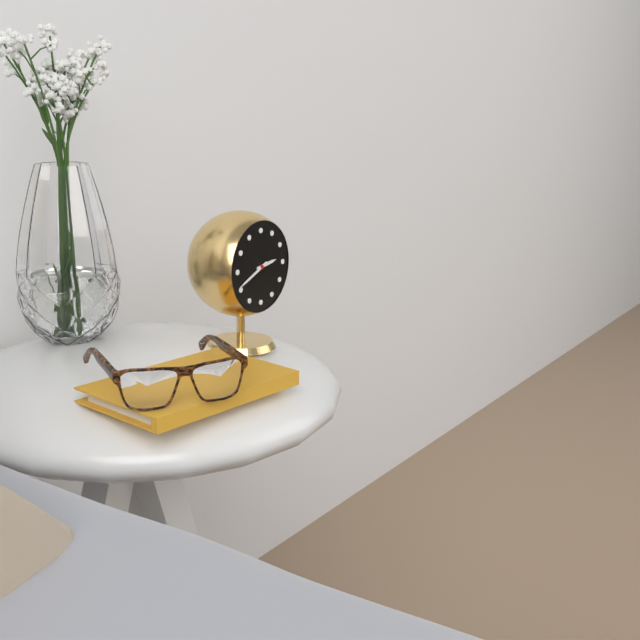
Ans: 2:41
